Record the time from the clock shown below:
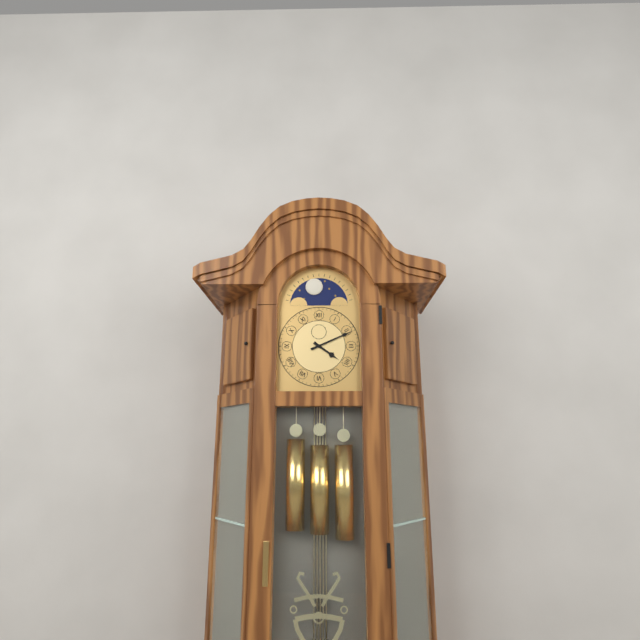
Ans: 4:11
